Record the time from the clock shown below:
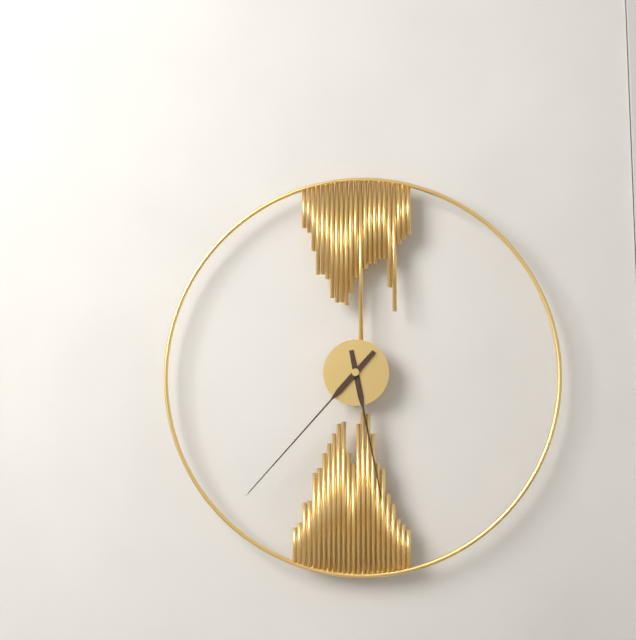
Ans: 5:37
